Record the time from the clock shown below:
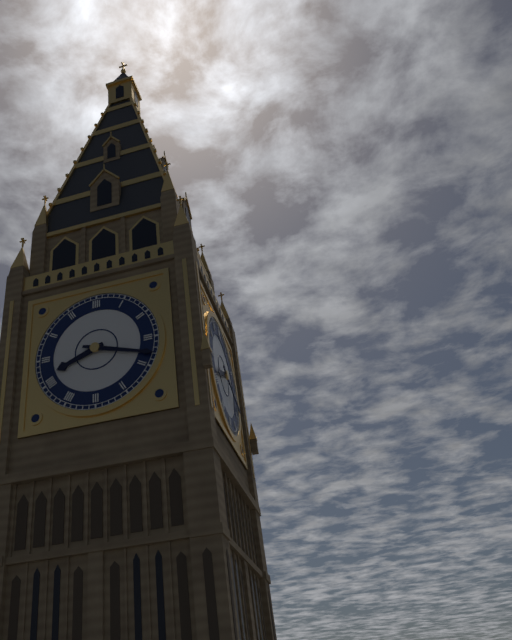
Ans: 8:18
